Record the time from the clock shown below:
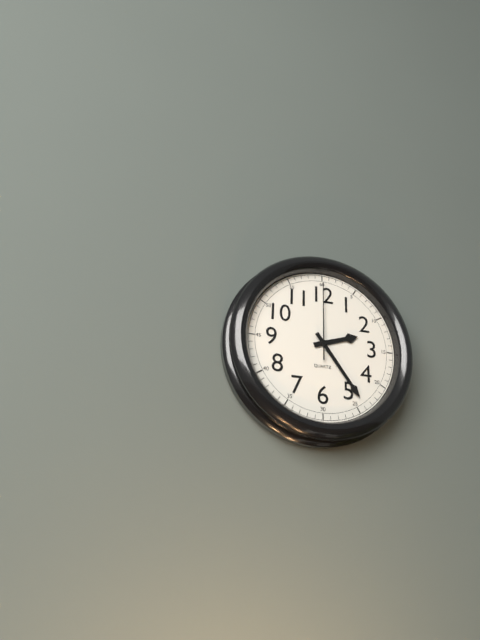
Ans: 2:24:00
